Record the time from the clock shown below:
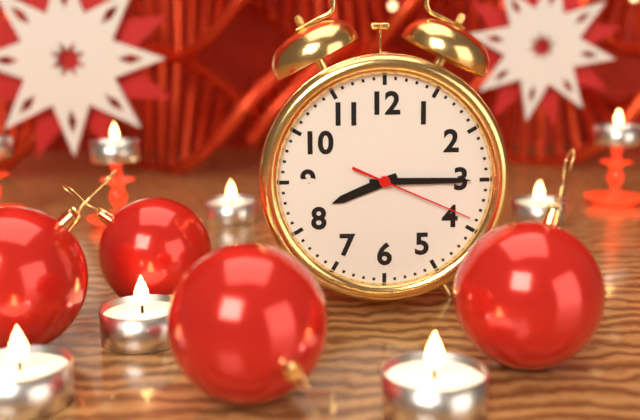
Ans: 8:15:19
